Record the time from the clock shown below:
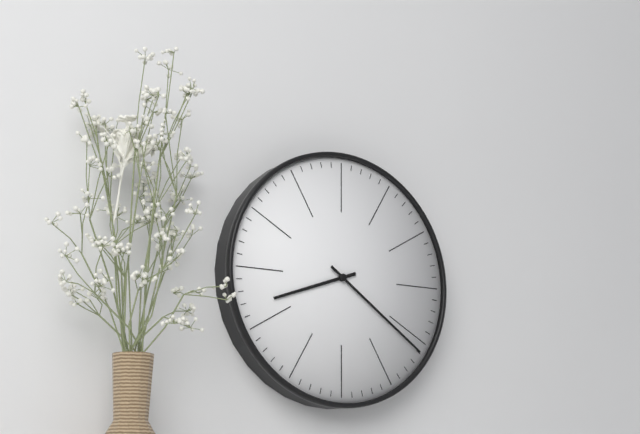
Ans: 8:21
